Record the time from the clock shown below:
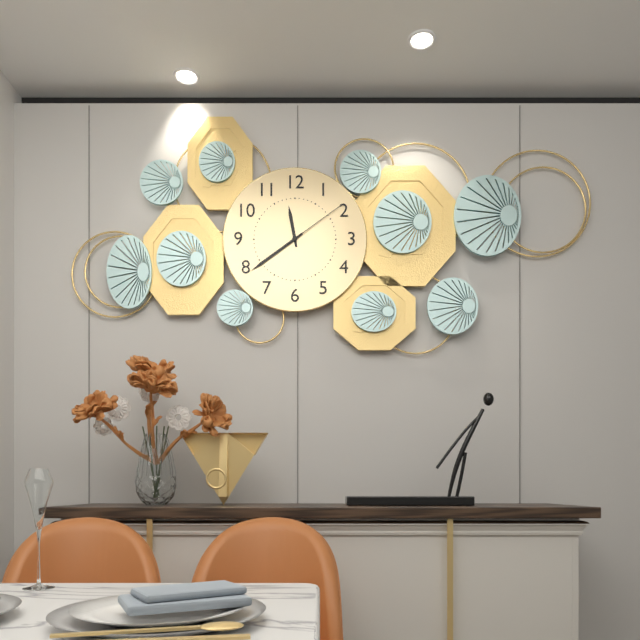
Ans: 11:39:09
